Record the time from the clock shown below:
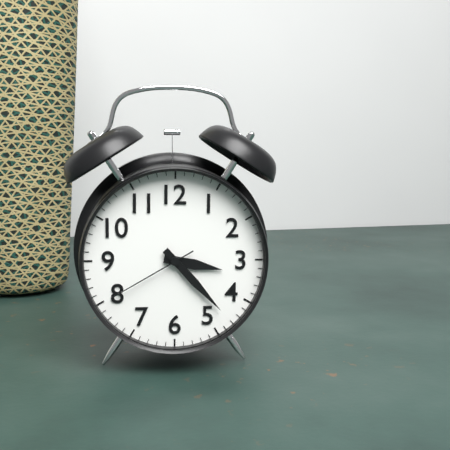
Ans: 3:23:40
